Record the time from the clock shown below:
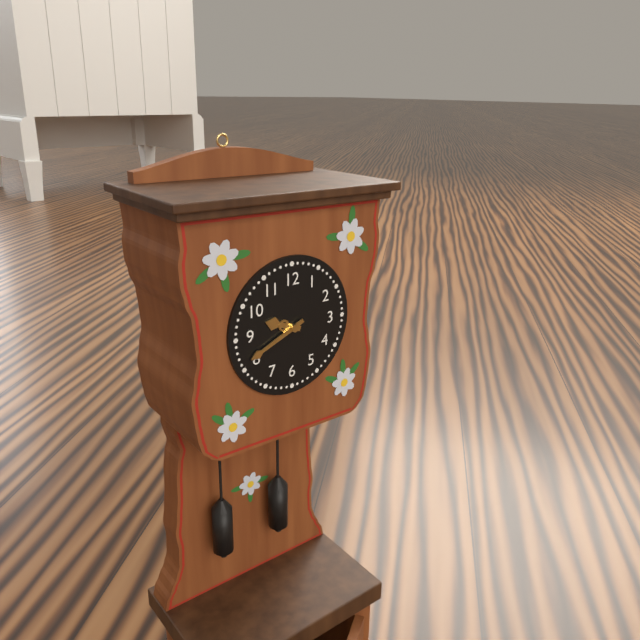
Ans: 9:41
